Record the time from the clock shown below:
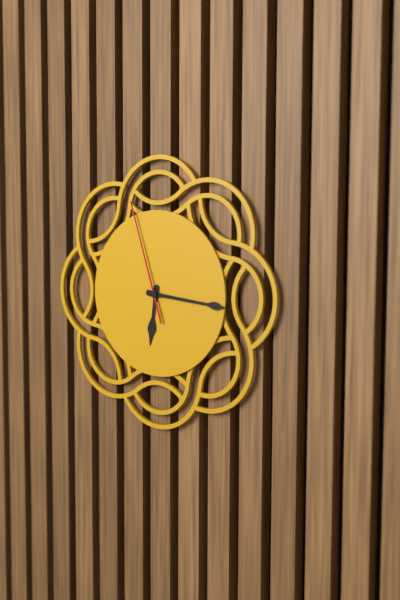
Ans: 6:16:57
